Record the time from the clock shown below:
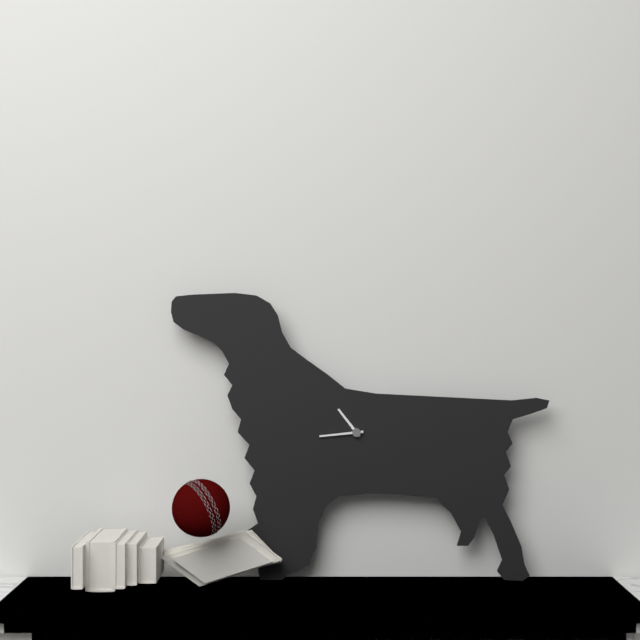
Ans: 10:44
